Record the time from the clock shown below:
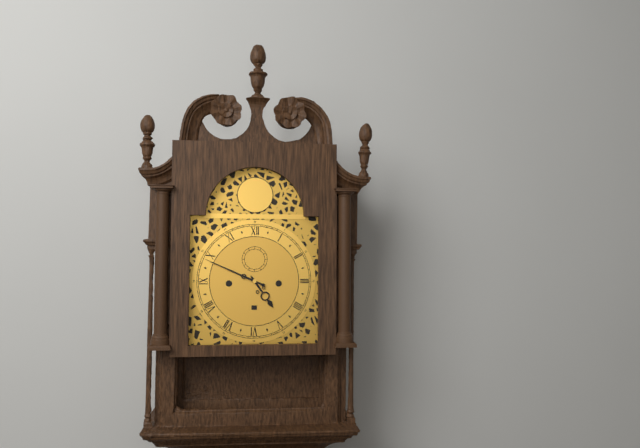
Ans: 4:49
